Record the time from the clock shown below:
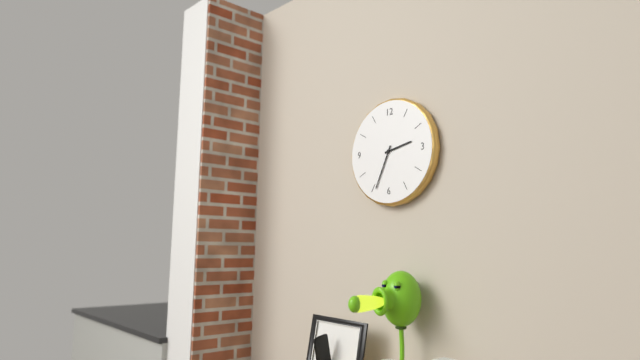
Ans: 2:34
